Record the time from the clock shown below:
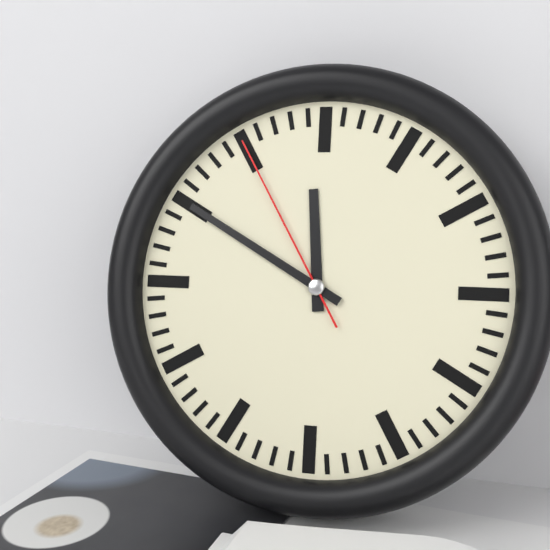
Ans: 11:50:55
